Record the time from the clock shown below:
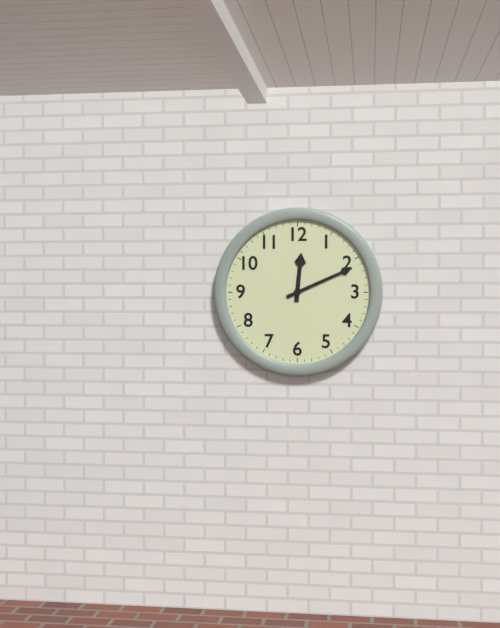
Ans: 12:11
